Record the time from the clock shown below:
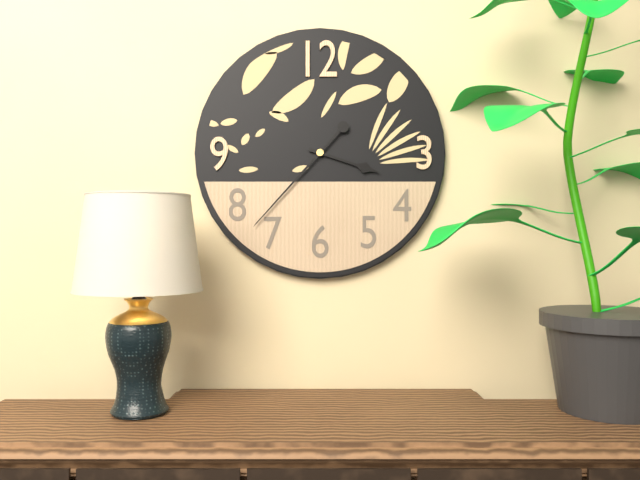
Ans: 3:37
